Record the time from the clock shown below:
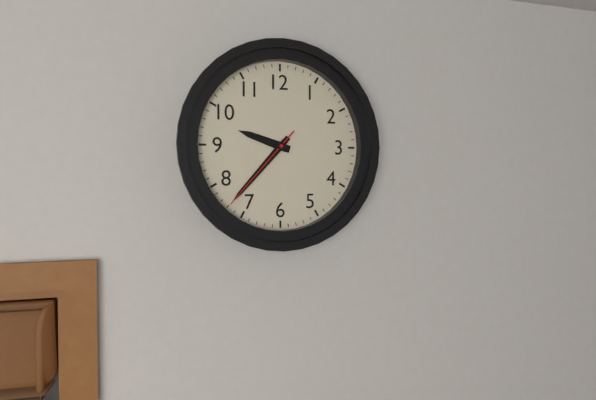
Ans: 9:37:37
